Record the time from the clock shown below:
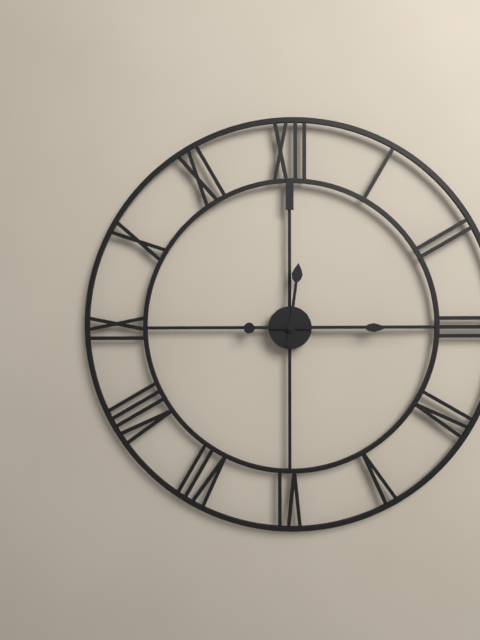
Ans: 12:15
